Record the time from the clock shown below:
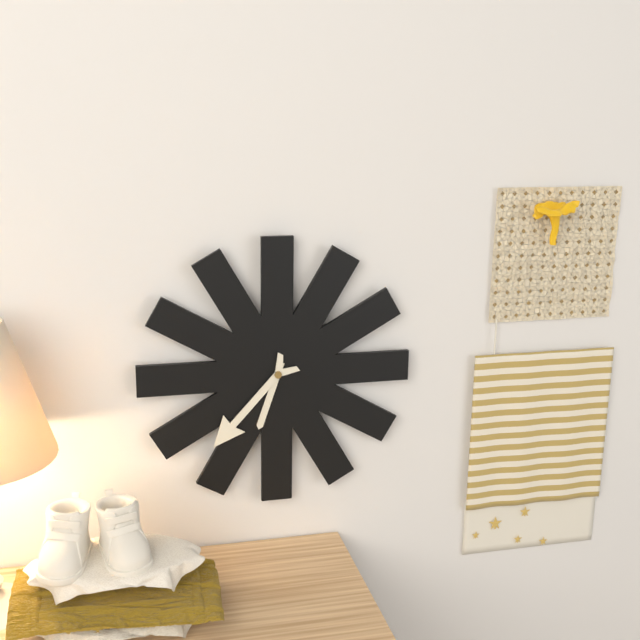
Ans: 6:37
